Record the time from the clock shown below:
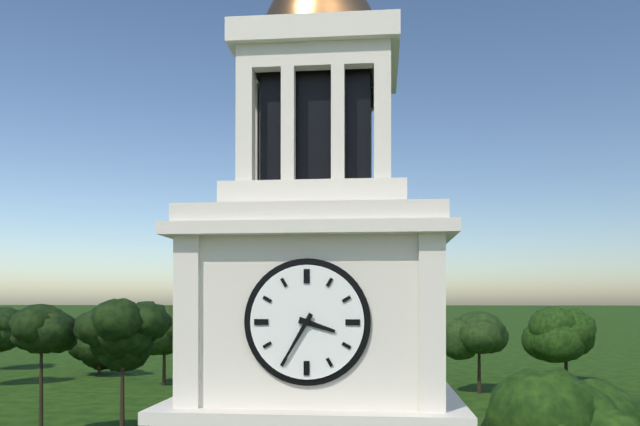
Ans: 3:35
